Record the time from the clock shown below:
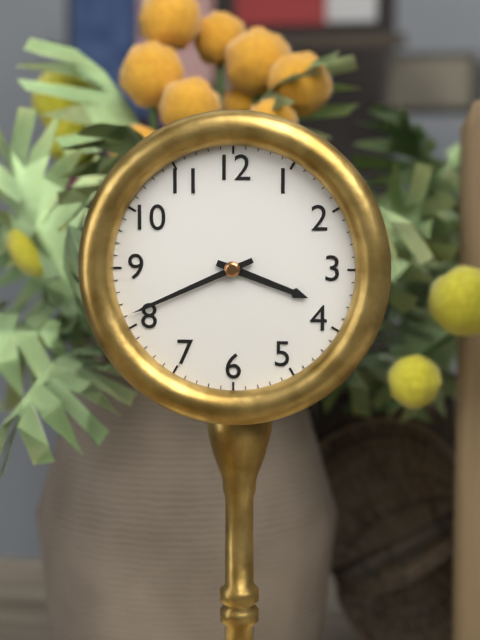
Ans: 3:41
